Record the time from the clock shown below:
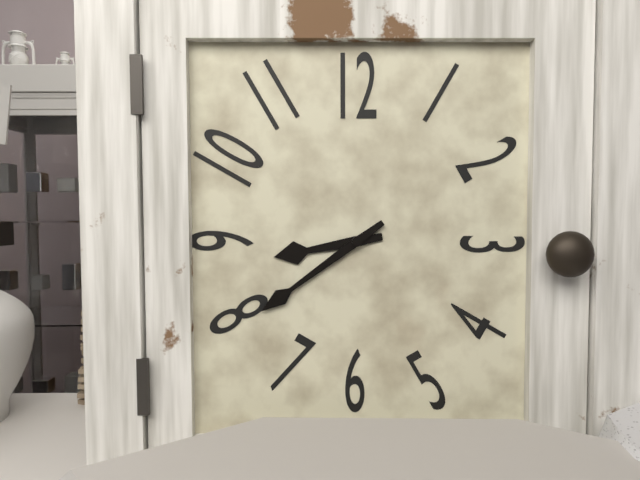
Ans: 8:39
